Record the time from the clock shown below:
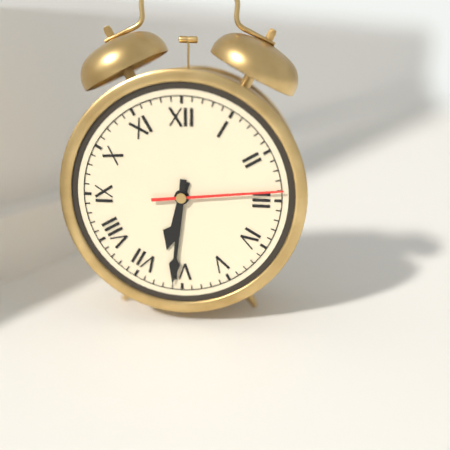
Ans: 6:31:14
